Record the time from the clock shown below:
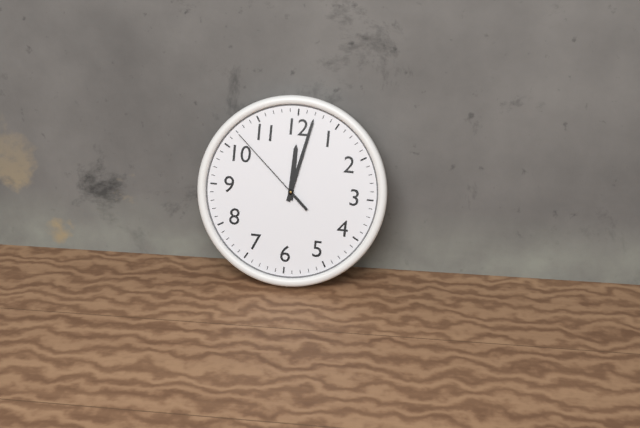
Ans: 12:02:52
